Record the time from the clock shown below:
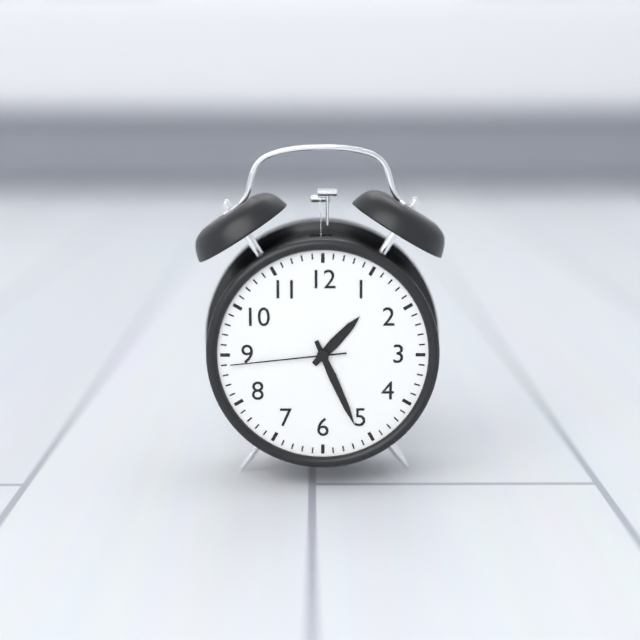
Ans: 1:26:44
